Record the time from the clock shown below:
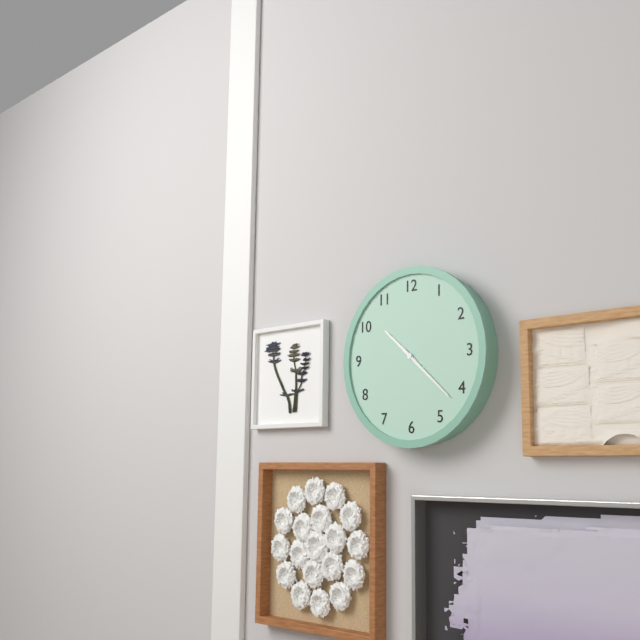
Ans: 10:22
